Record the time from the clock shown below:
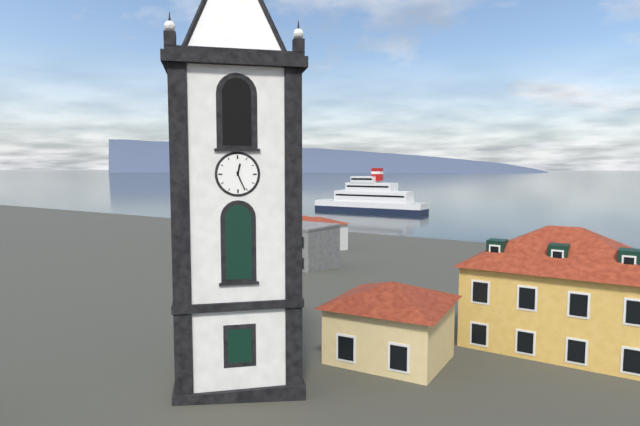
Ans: 12:26
